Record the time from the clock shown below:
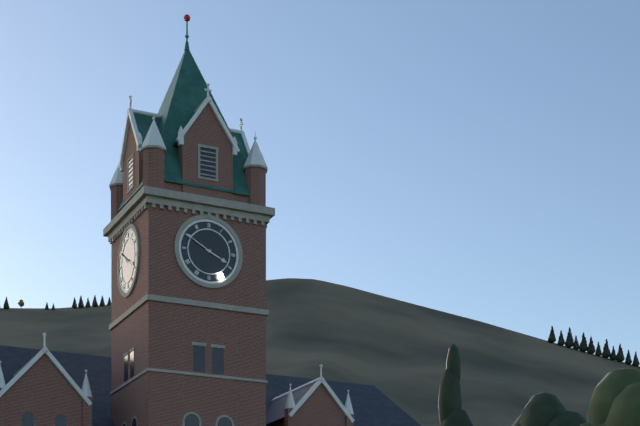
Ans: 3:50
